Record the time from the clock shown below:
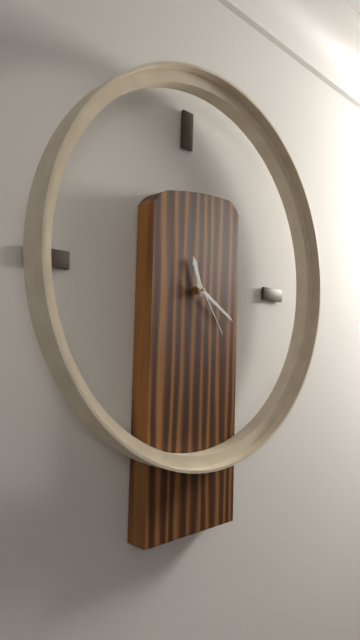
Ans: 11:20:24
